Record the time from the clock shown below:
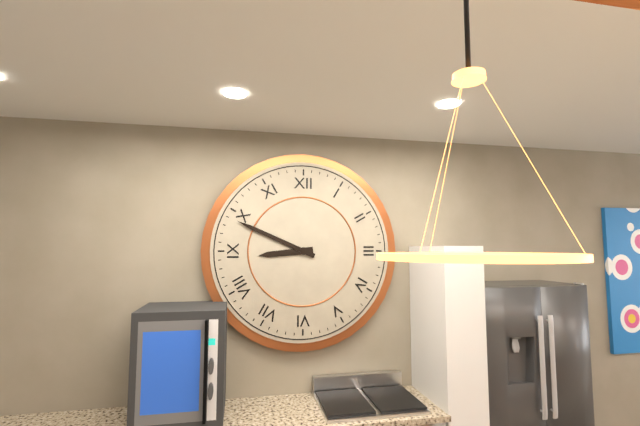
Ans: 8:49
